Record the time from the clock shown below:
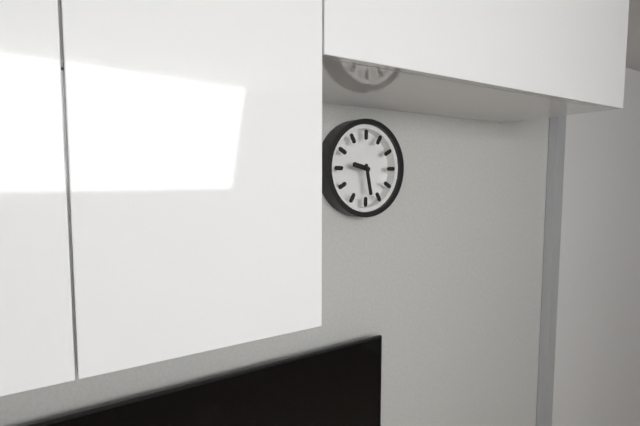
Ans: 9:28
